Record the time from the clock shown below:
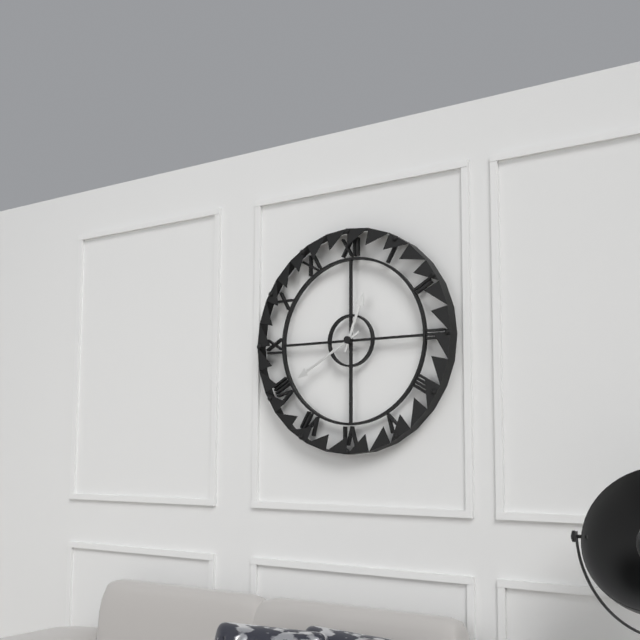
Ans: 12:40
